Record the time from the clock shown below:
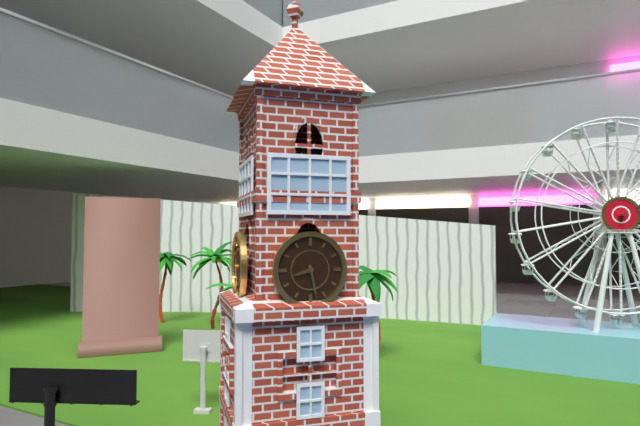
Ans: 8:28
